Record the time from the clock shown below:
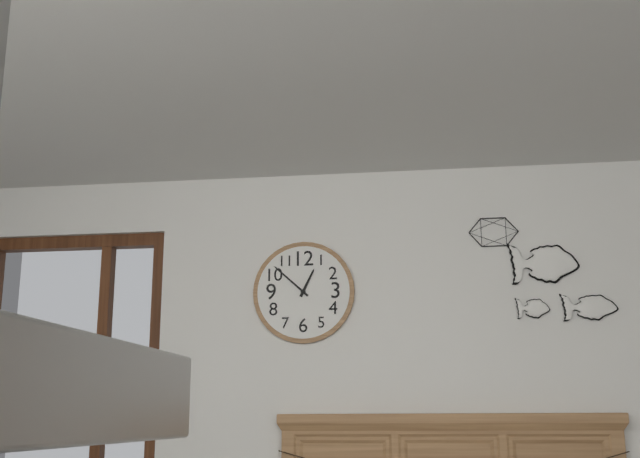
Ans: 12:52
